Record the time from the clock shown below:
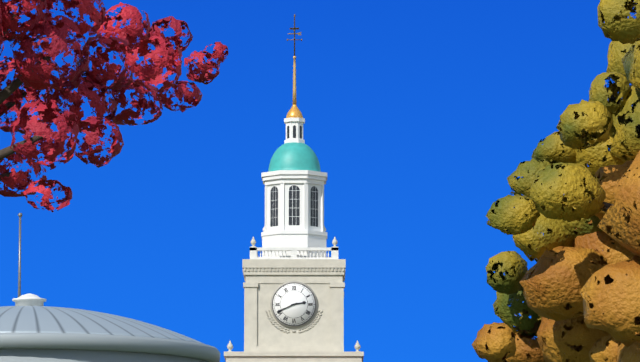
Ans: 2:41
